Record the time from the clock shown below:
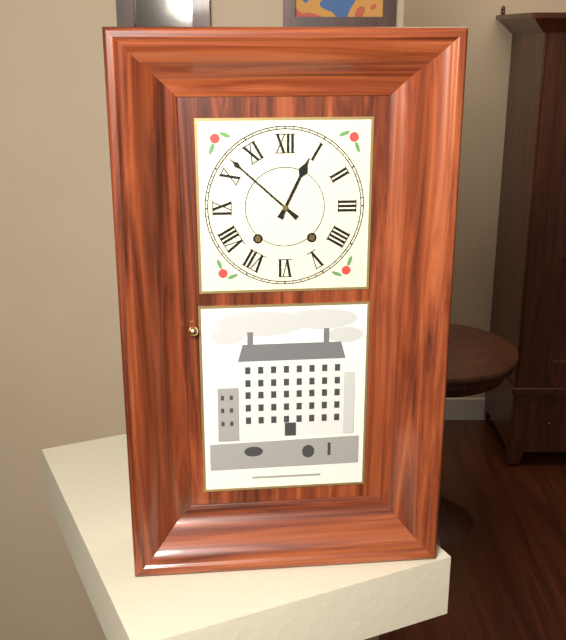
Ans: 12:52
